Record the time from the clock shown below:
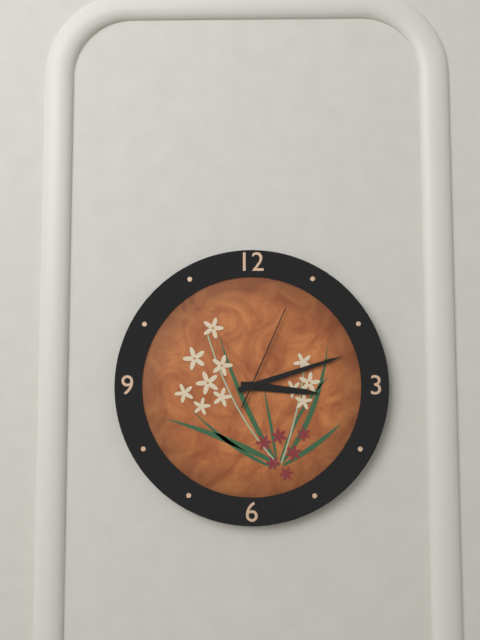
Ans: 3:12:04
